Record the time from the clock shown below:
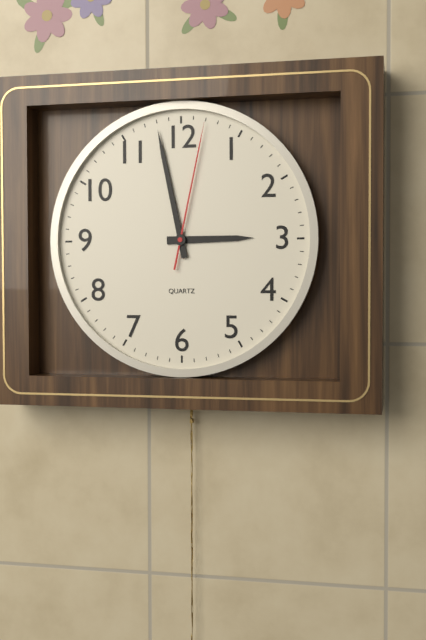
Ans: 2:58:02
